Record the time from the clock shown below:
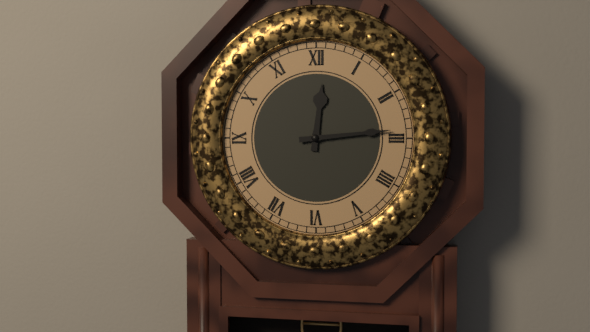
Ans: 12:14
